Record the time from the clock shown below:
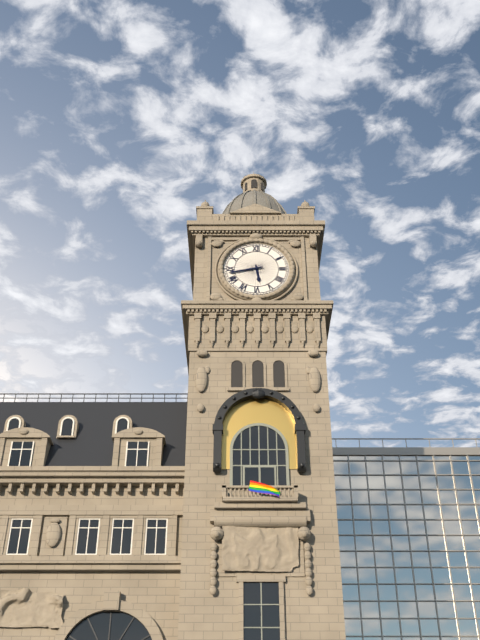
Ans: 5:43
